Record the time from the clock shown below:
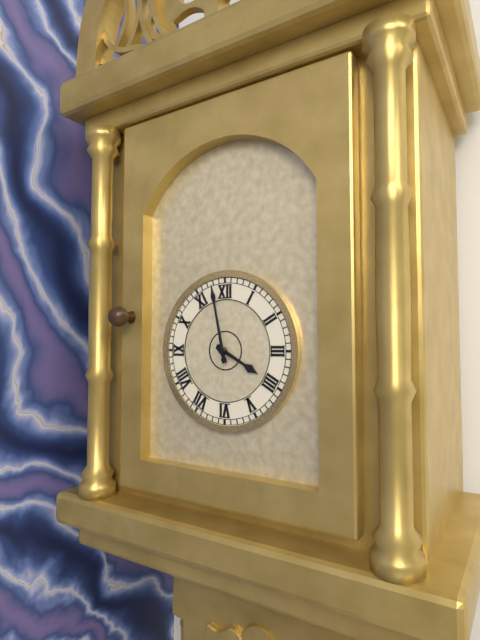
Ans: 3:58
